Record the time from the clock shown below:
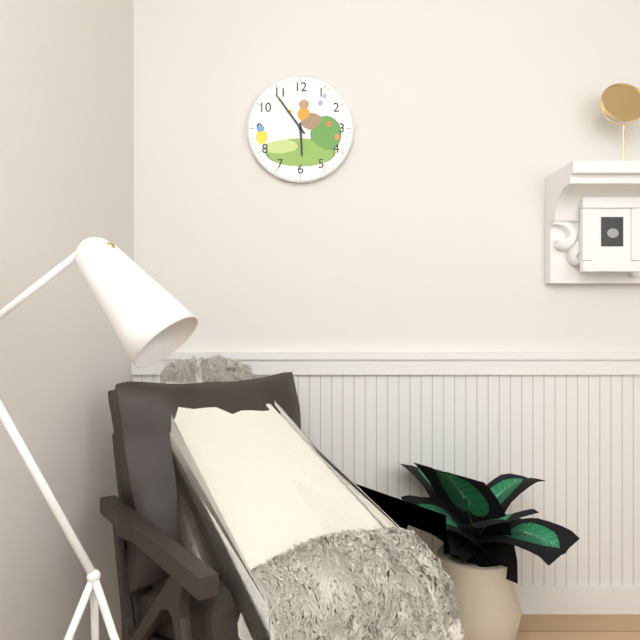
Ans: 5:54
